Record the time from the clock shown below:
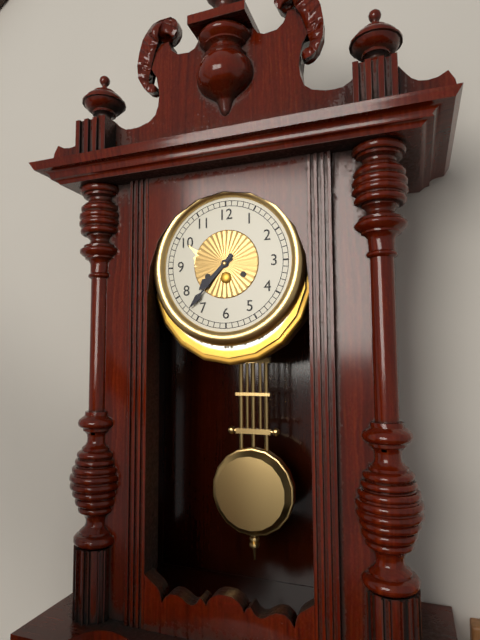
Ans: 7:37
